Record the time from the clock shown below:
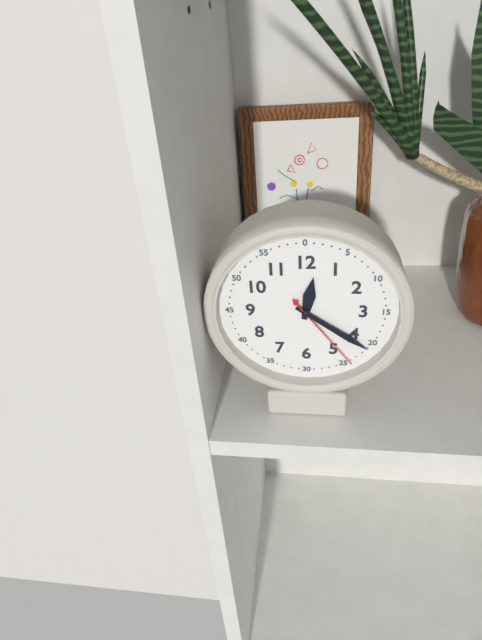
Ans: 12:21:24
